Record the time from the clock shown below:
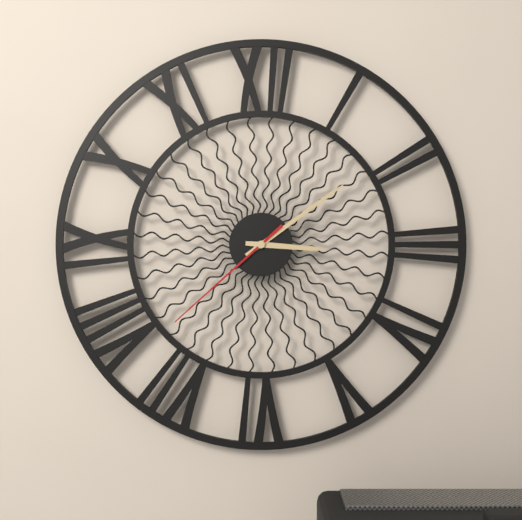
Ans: 3:09:38
